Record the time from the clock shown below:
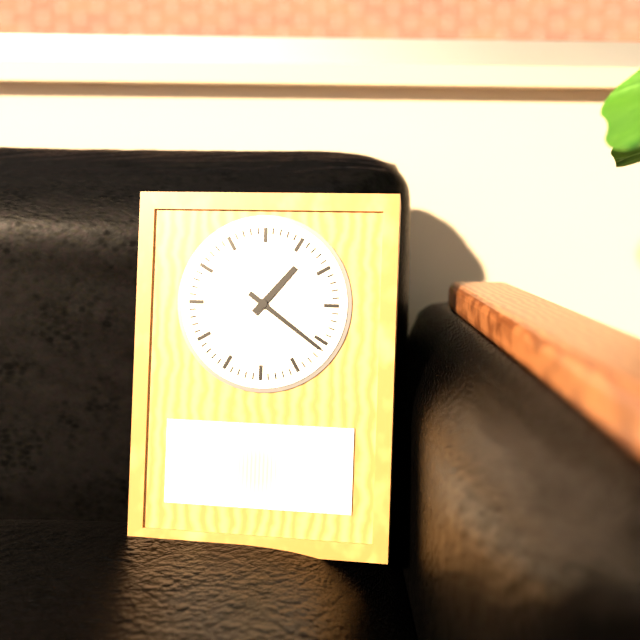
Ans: 1:21
